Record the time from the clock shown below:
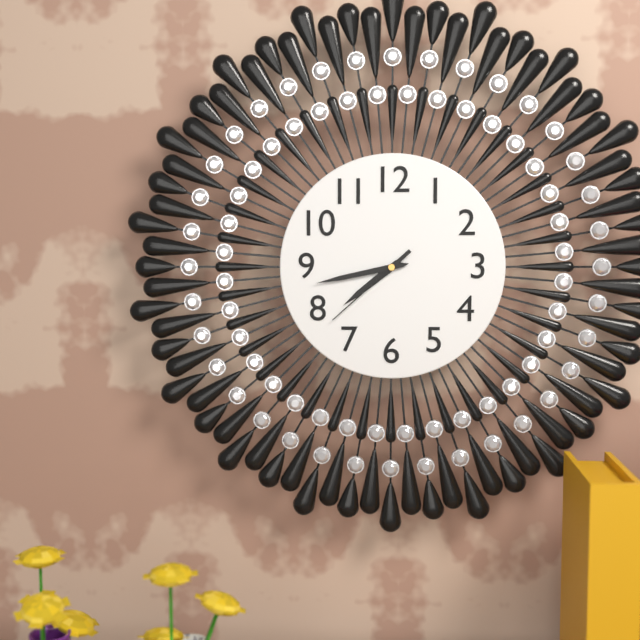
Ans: 7:43:38
